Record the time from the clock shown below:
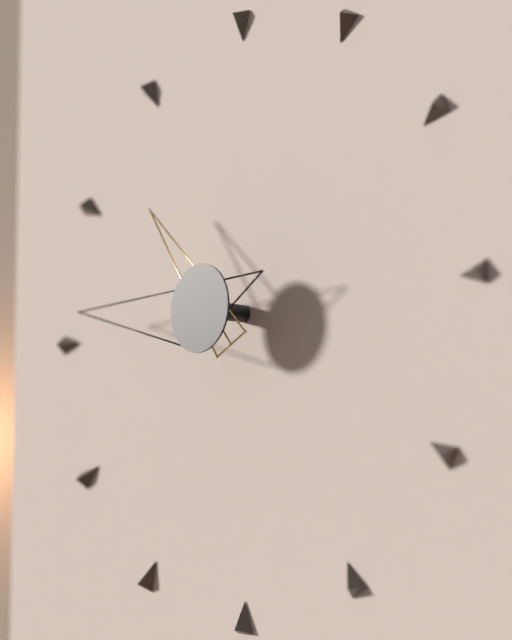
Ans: 10:46
